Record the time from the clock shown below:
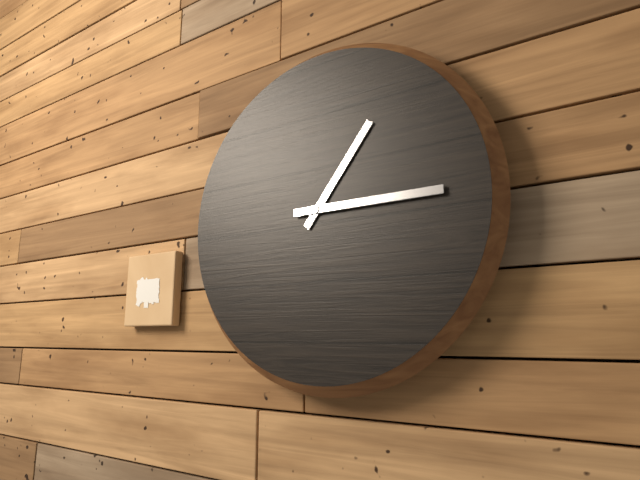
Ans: 1:15
